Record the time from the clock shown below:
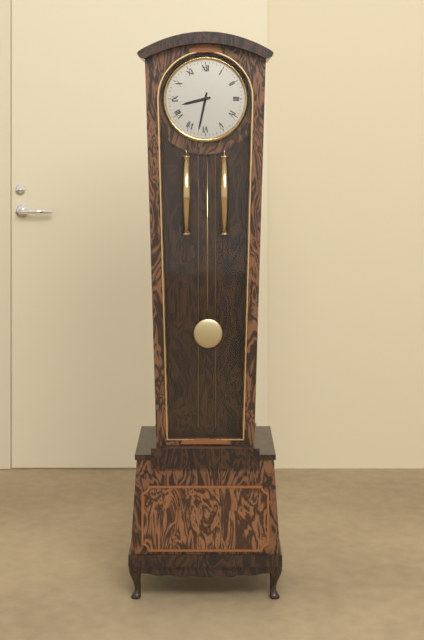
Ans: 8:32
